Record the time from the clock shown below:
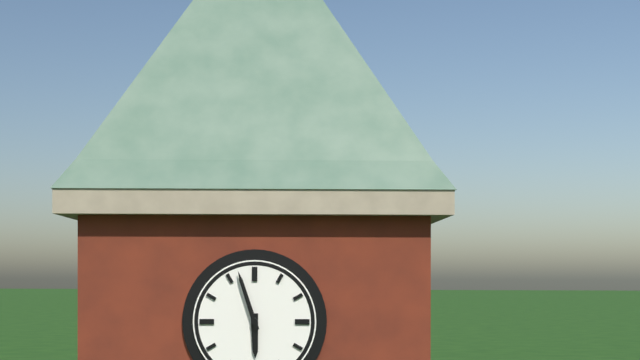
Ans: 5:57
